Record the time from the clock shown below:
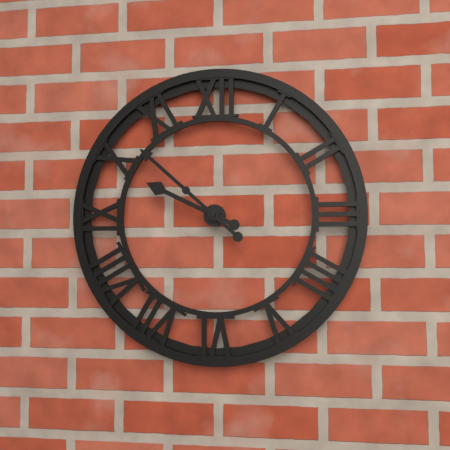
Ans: 9:52
